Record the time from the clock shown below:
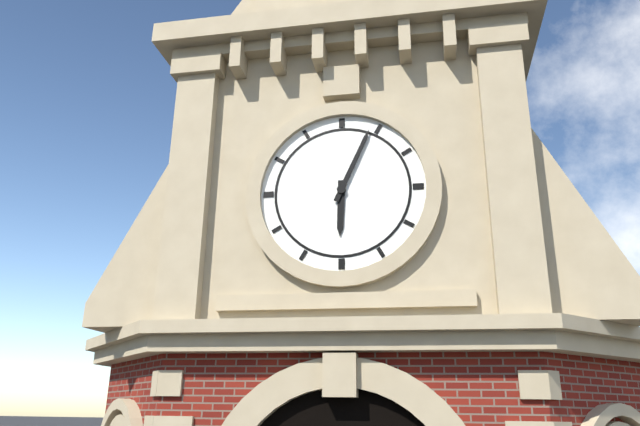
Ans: 6:04
